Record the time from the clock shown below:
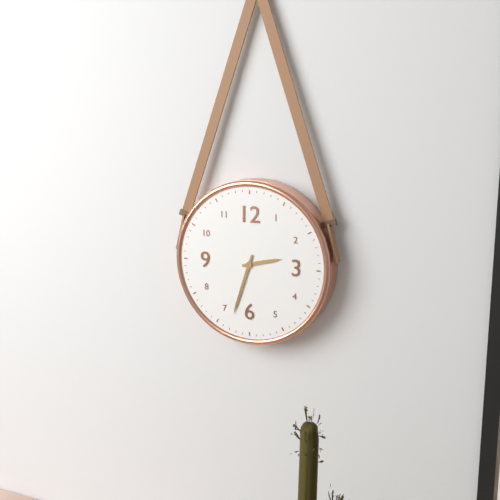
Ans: 2:33
